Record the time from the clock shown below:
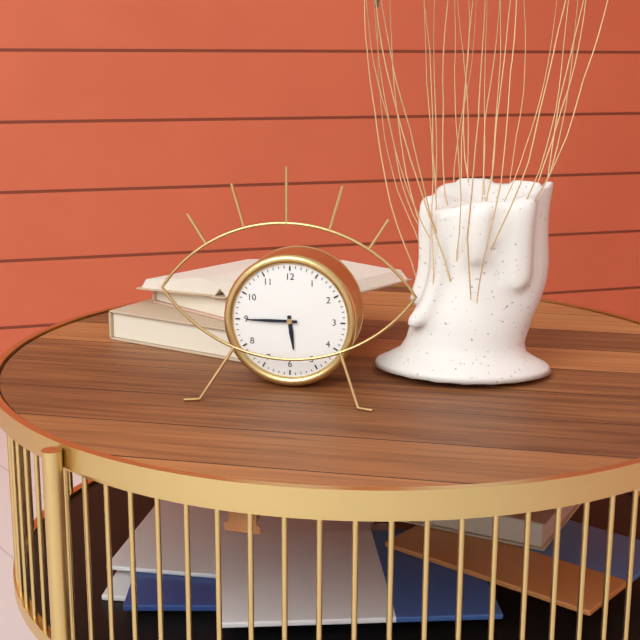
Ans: 5:45
